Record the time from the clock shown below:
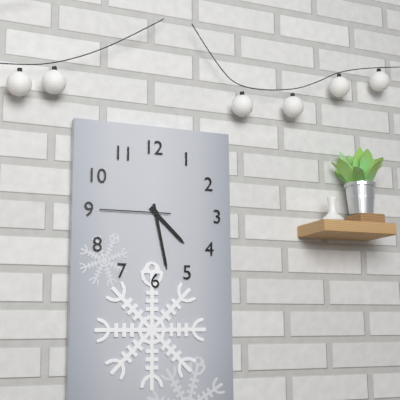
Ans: 4:28:45
